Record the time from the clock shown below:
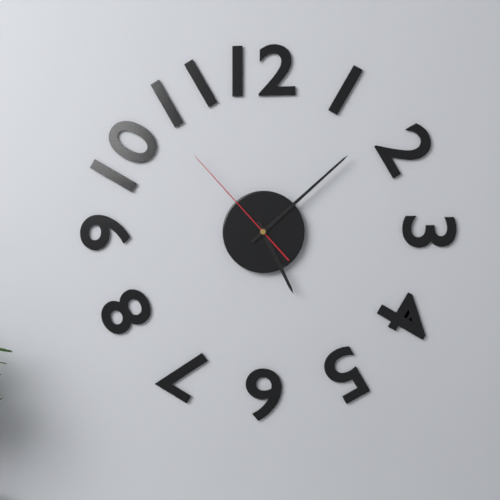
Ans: 5:08:53
